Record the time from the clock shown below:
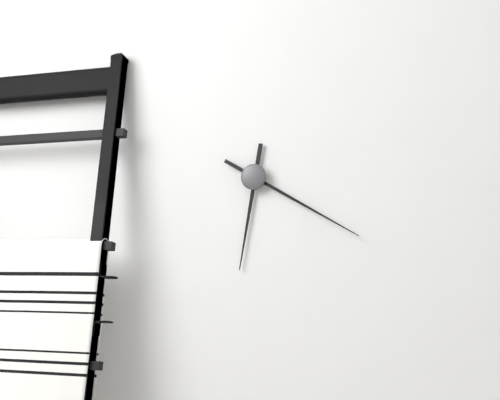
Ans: 6:20
